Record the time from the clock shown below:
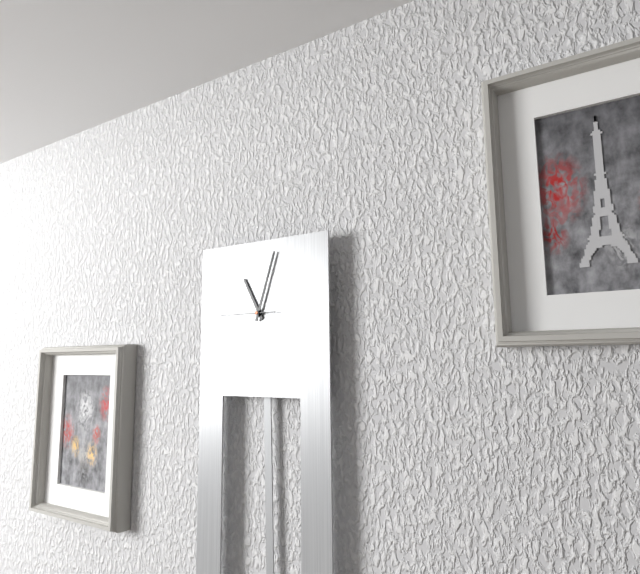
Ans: 11:03:45
